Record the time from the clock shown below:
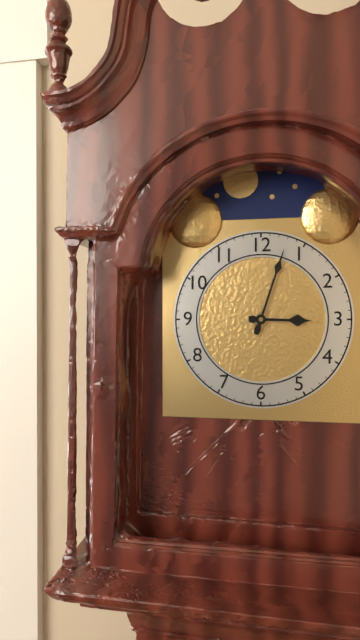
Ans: 3:03
